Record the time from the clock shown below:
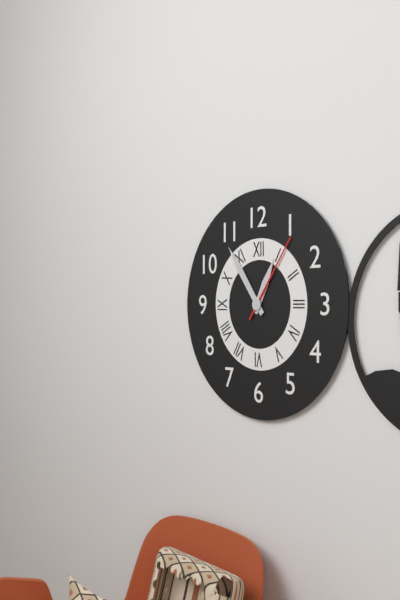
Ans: 12:54:06
